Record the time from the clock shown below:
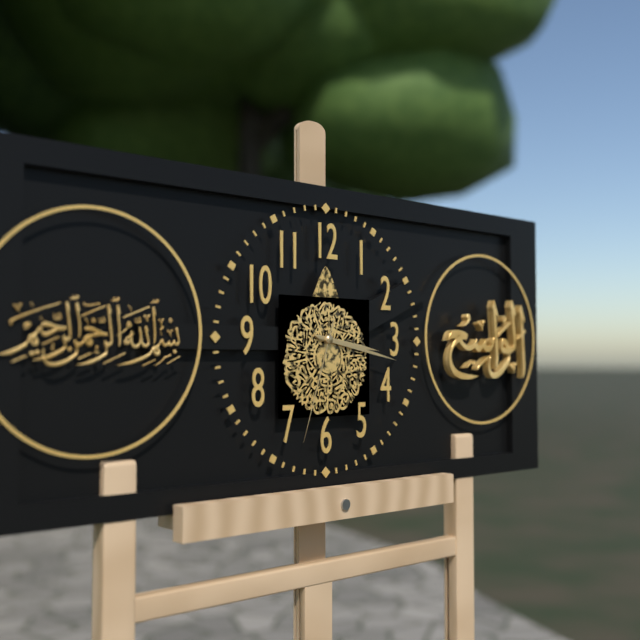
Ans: 3:17:33
